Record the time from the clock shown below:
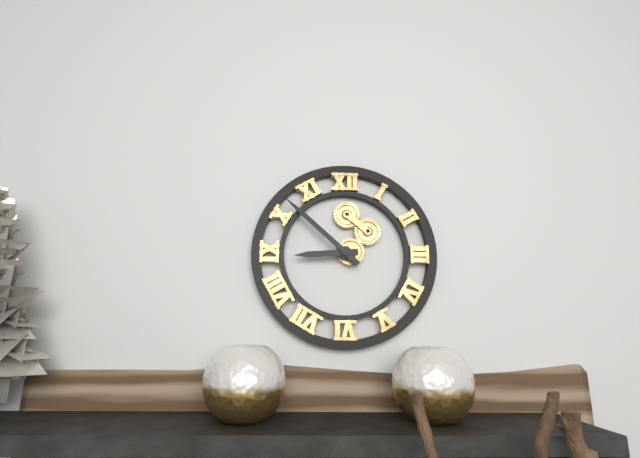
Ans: 8:52
